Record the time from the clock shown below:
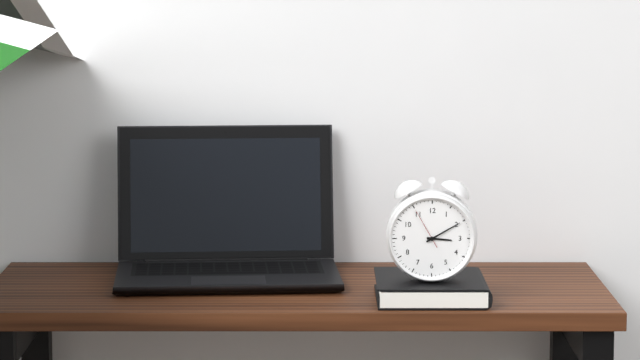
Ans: 3:10
